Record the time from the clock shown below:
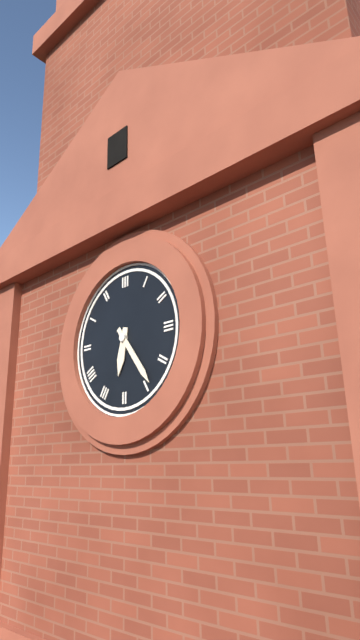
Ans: 6:24
